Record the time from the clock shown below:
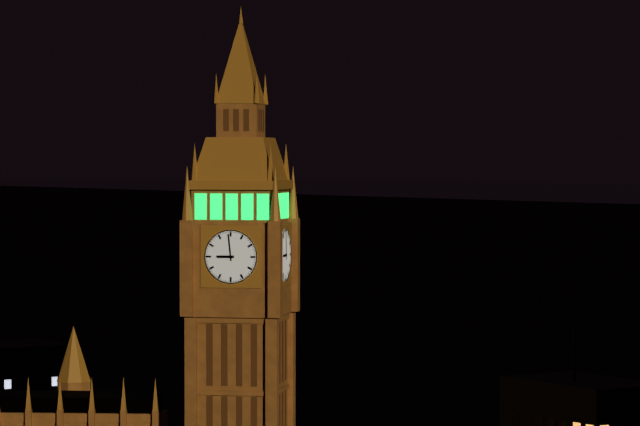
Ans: 8:59
